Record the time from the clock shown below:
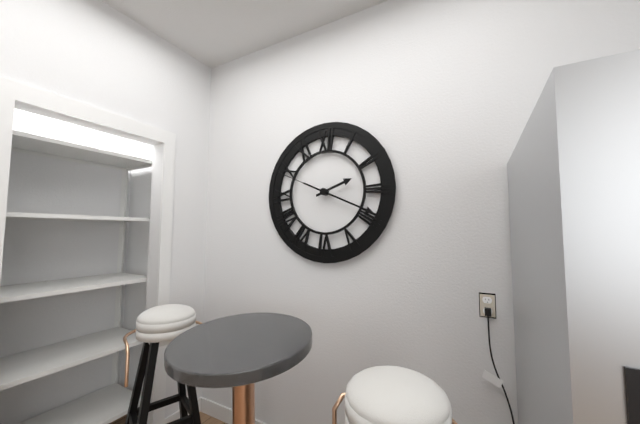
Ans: 2:19:49
